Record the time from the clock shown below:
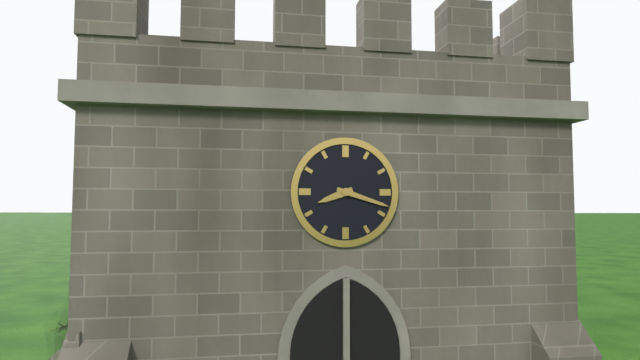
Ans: 8:18
